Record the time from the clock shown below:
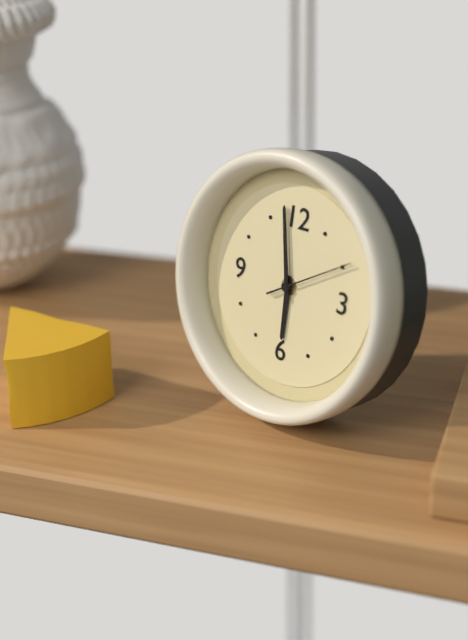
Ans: 5:58:10
